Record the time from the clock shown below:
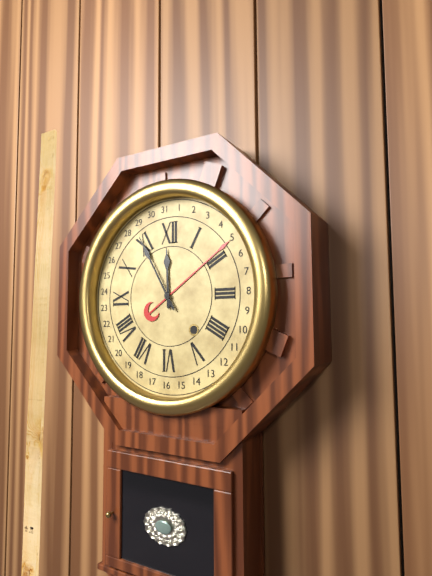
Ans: 11:55
